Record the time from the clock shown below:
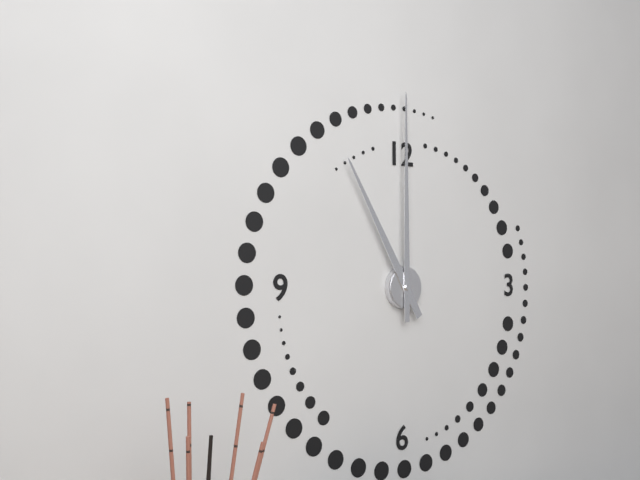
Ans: 11:00
